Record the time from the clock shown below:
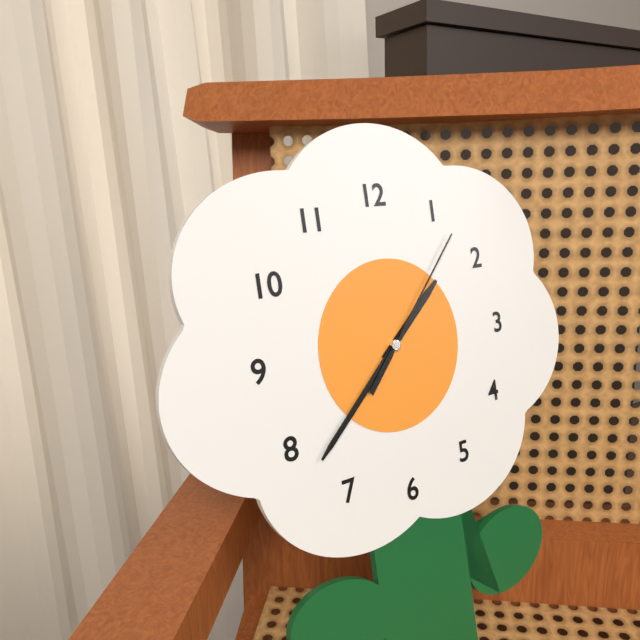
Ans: 1:38:07
